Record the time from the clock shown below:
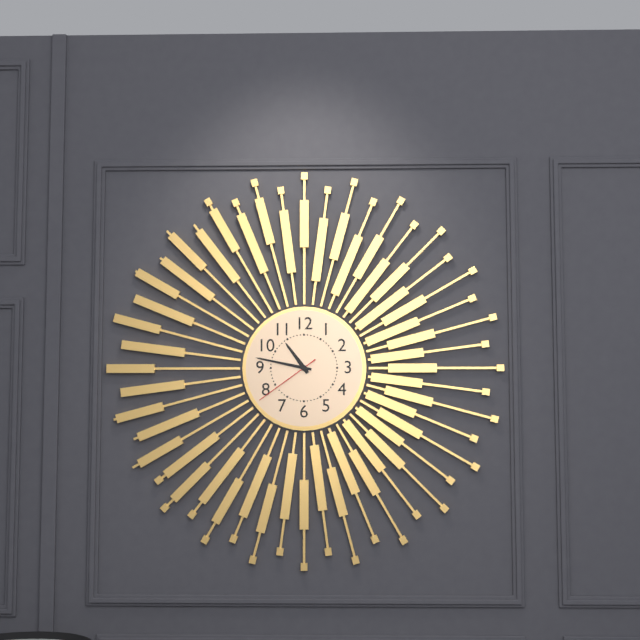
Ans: 10:47:39
